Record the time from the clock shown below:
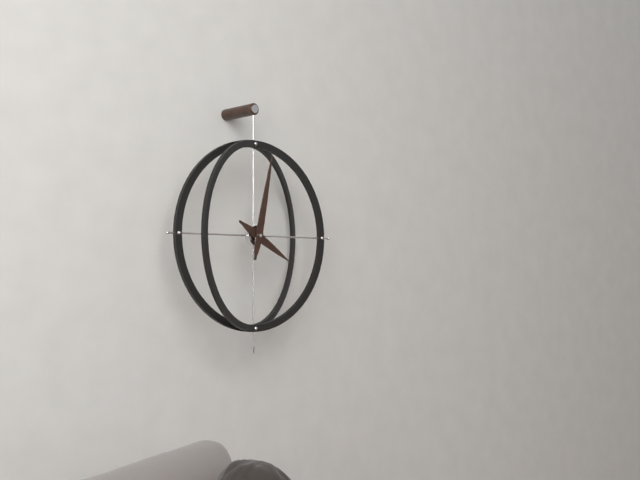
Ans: 4:02
